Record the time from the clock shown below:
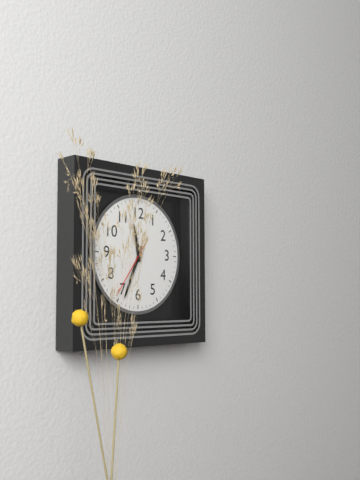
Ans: 11:34:36
